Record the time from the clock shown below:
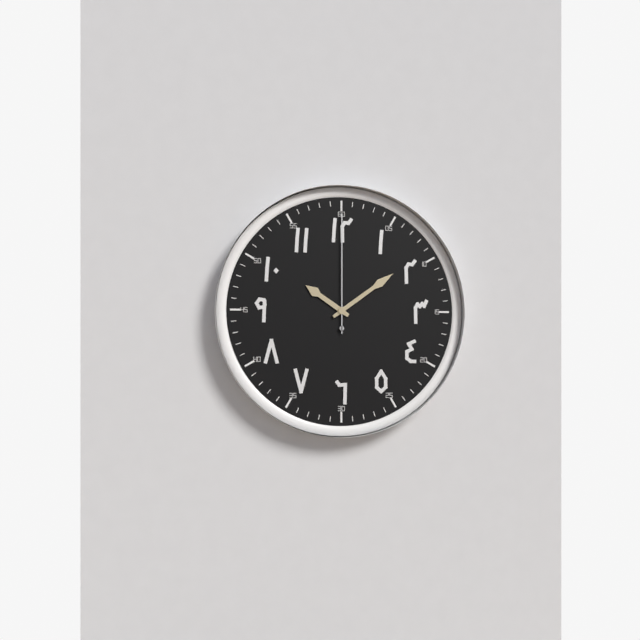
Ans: 10:09:00
